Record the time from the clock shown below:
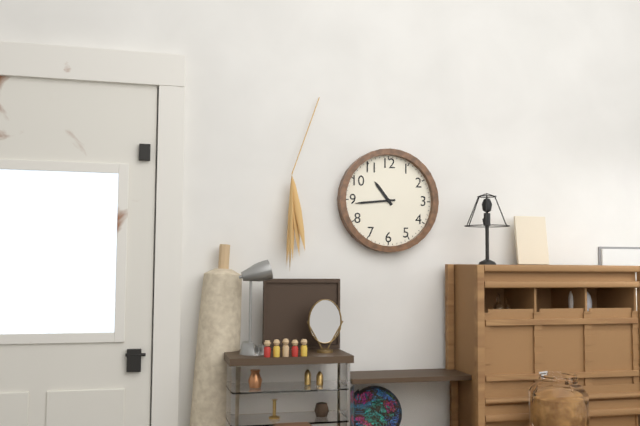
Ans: 10:44
